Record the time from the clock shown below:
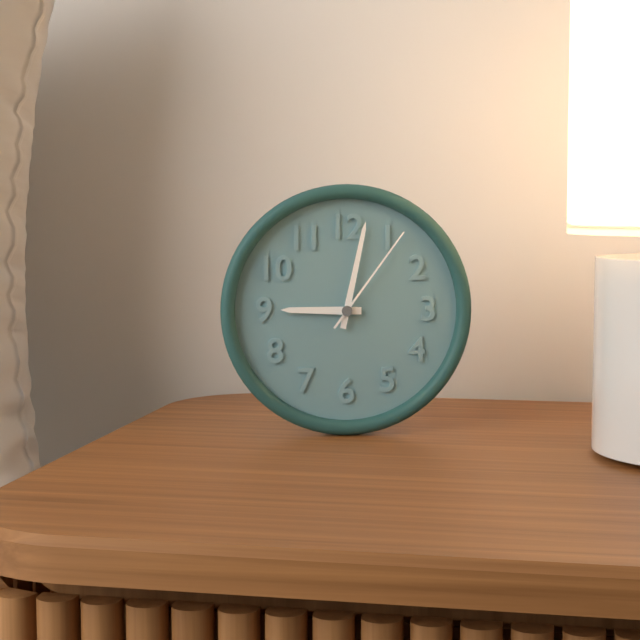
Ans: 9:02:06
